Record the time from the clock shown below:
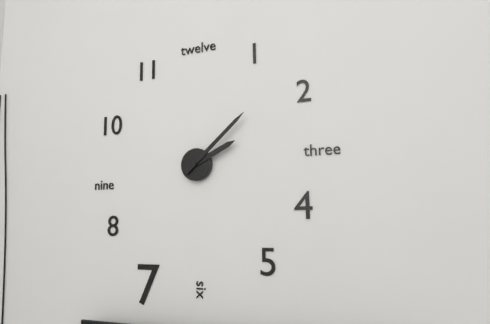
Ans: 2:08
